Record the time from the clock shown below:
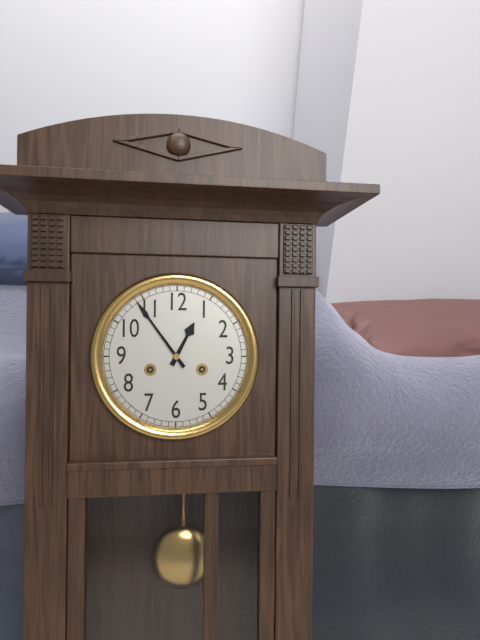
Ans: 12:54
